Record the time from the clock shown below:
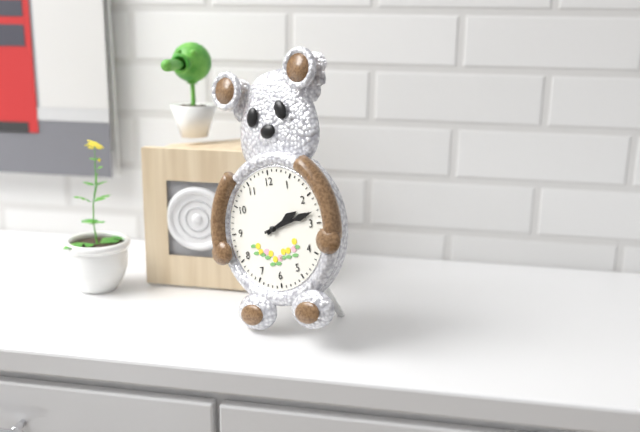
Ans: 2:13
